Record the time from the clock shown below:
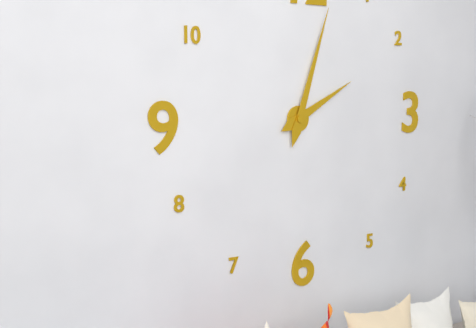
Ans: 2:03
